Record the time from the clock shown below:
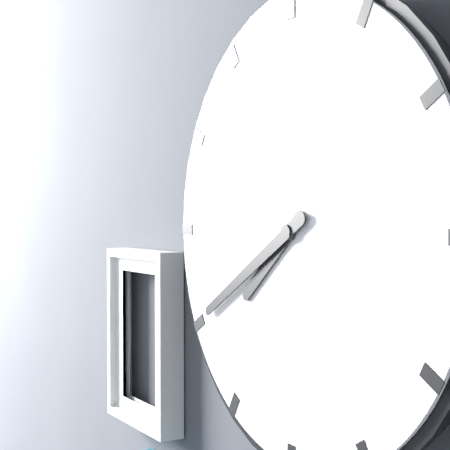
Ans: 7:40
